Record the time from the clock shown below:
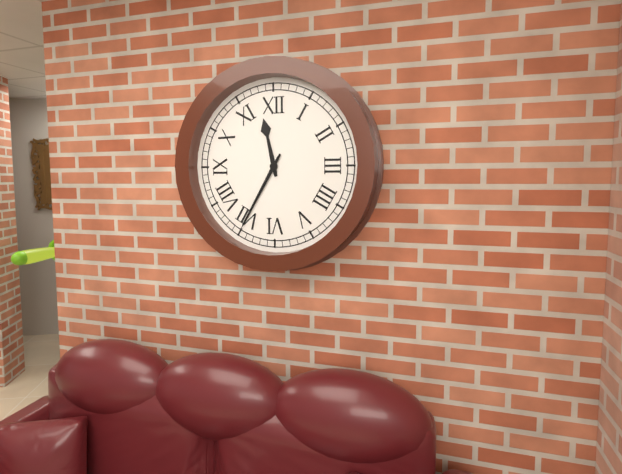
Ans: 11:35
